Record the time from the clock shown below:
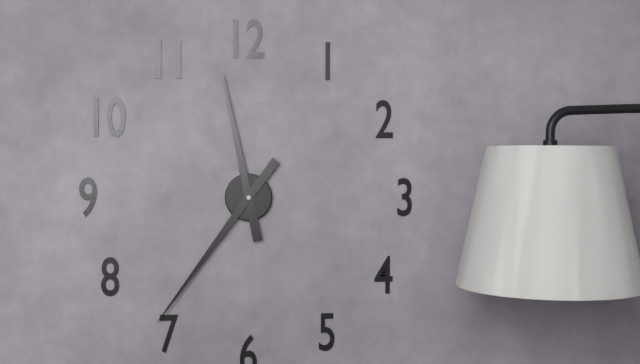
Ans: 11:36
